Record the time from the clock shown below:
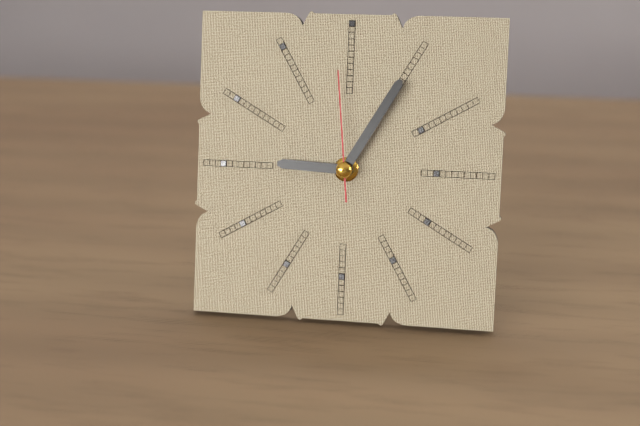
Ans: 9:05:59
